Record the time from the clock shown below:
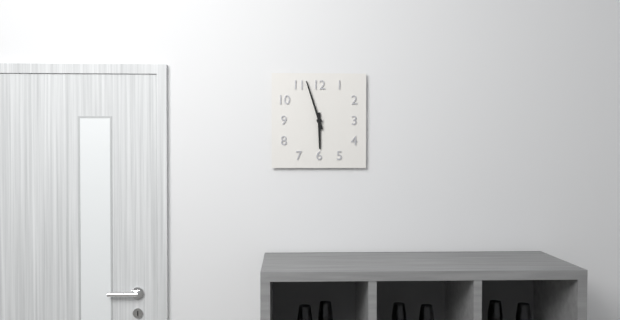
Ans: 5:57
